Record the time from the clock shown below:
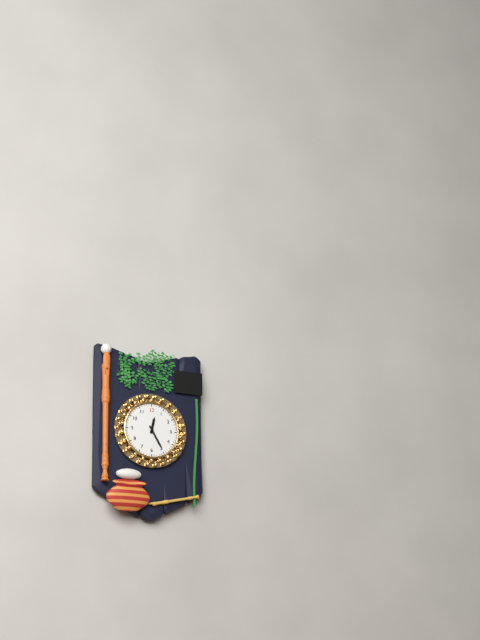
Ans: 12:25
